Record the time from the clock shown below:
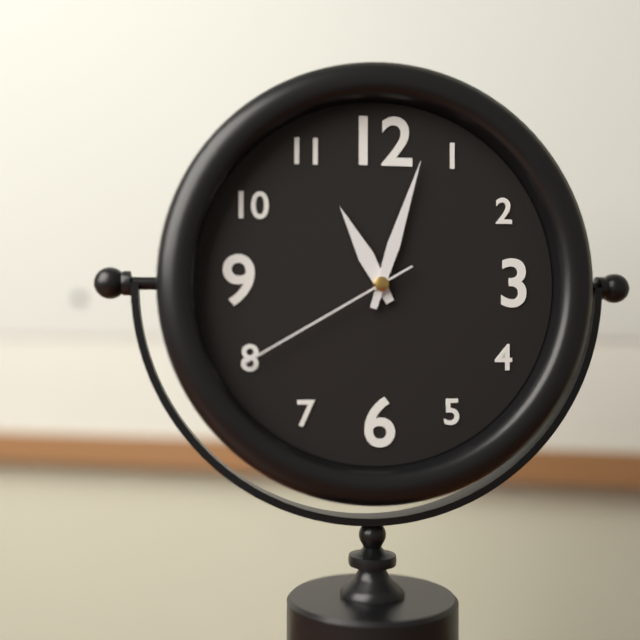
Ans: 11:03:40
